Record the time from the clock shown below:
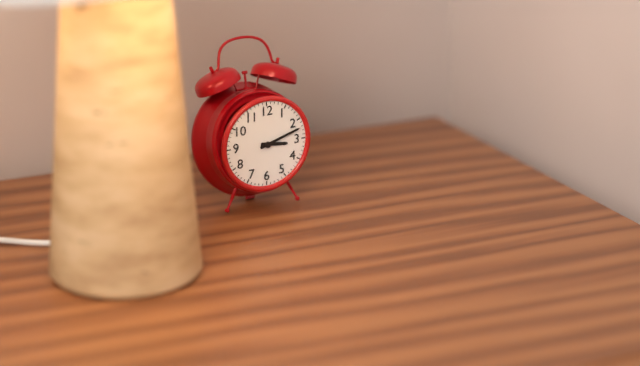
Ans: 3:12
